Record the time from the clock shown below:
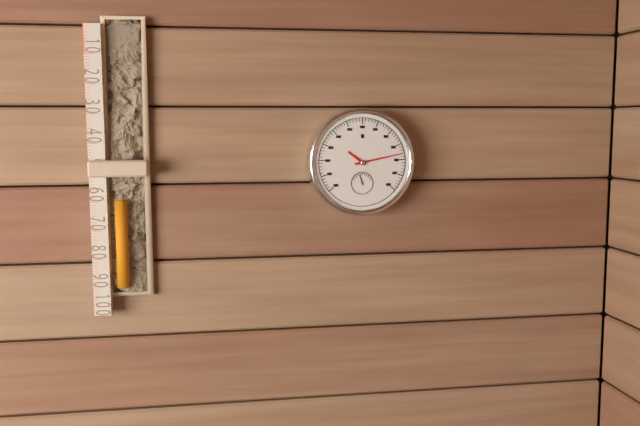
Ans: 10:13
